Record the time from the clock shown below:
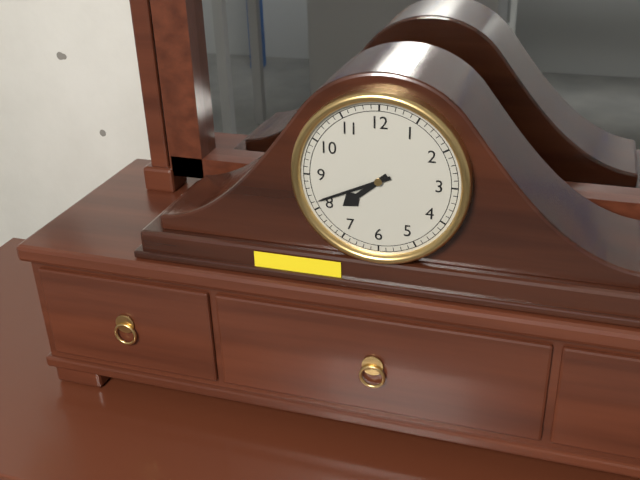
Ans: 7:41
